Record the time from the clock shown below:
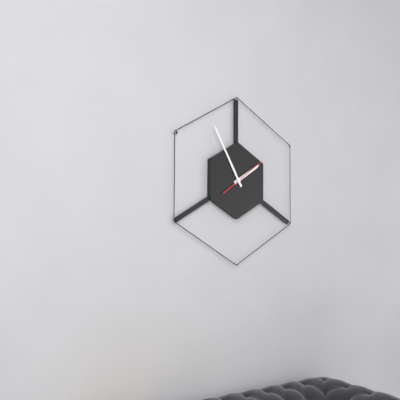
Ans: 1:55
